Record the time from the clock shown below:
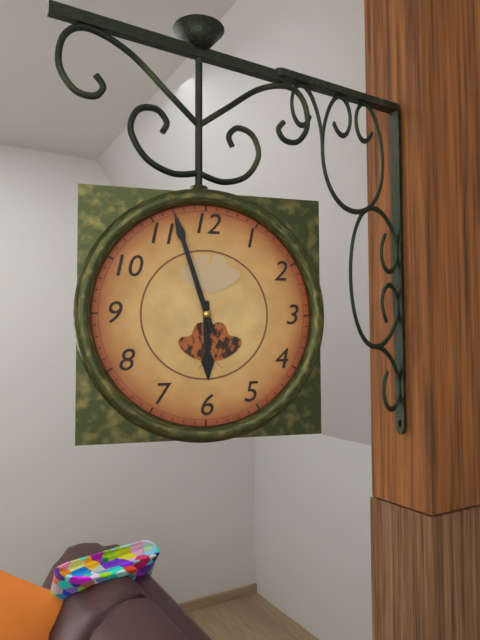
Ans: 5:57
